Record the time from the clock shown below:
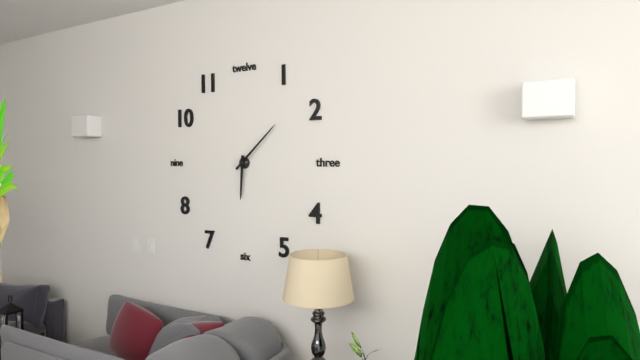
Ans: 6:08
